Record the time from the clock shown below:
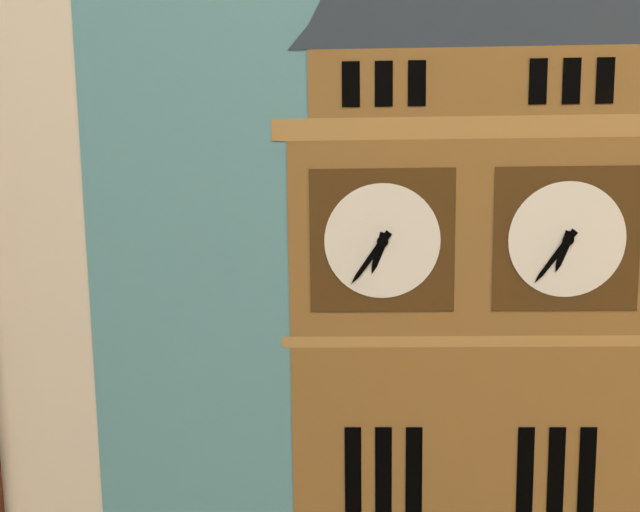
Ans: 6:36
